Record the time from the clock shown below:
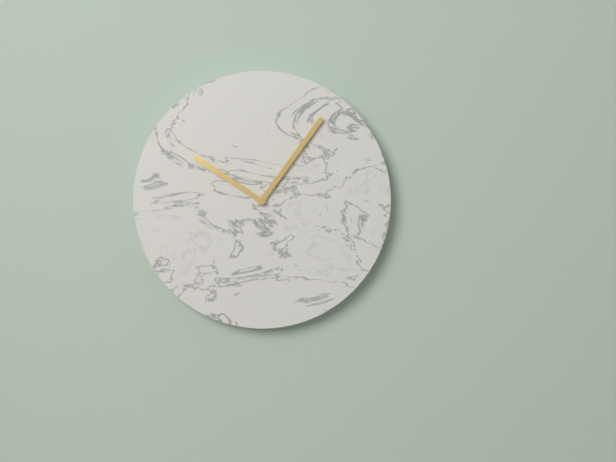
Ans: 10:06
